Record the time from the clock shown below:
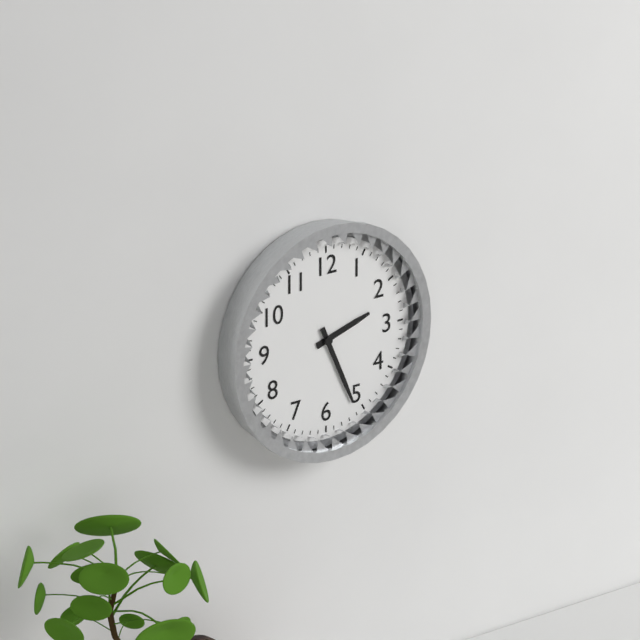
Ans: 2:26
